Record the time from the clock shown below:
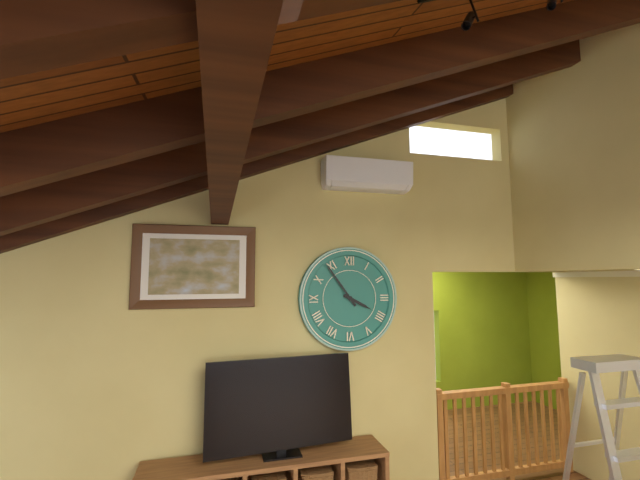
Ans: 3:54
